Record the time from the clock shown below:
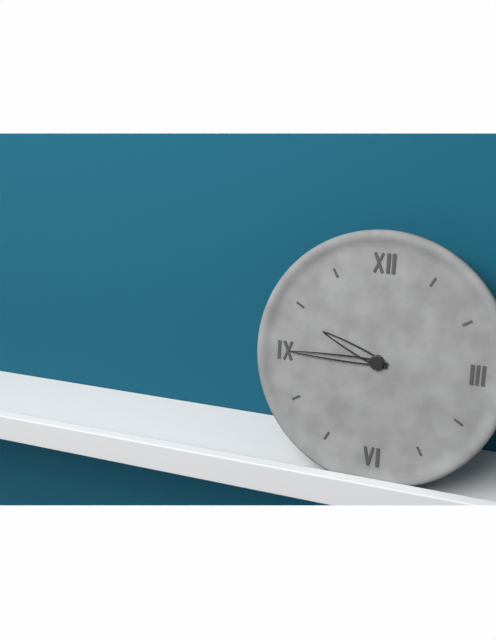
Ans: 9:45
